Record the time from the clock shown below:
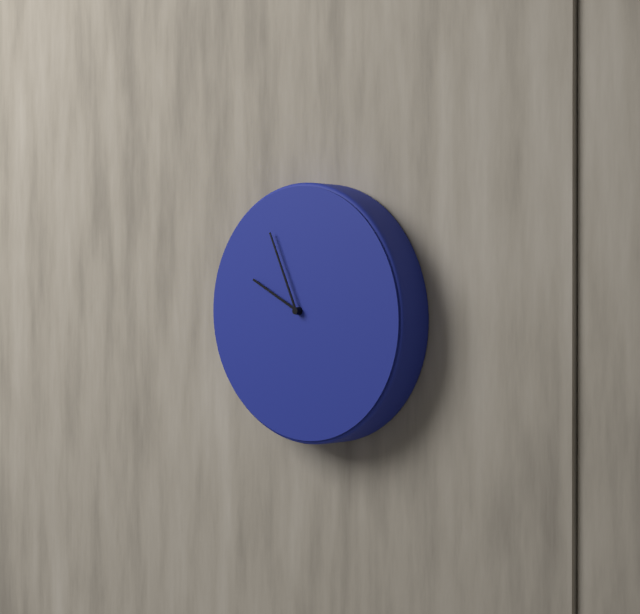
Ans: 9:56
